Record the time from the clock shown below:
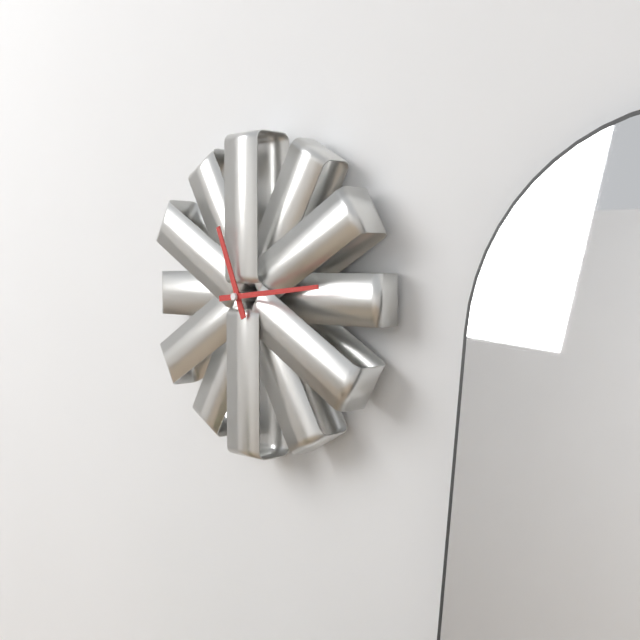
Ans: 11:14
